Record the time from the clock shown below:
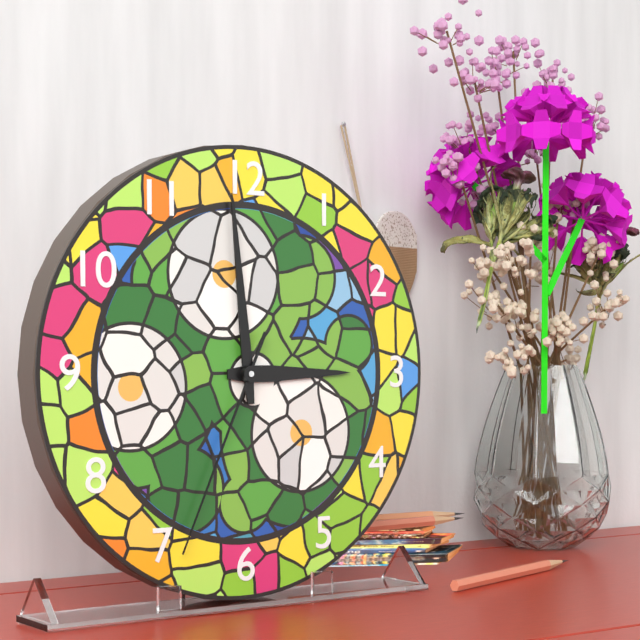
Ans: 2:59:34
